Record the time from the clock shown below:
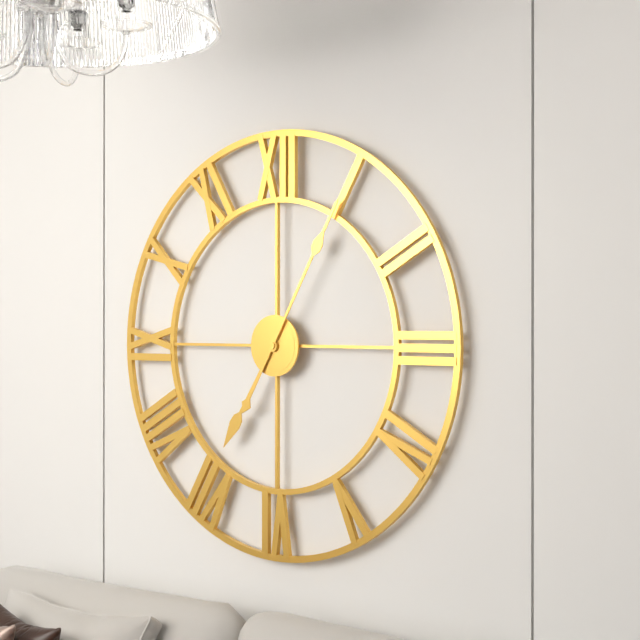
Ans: 7:05
